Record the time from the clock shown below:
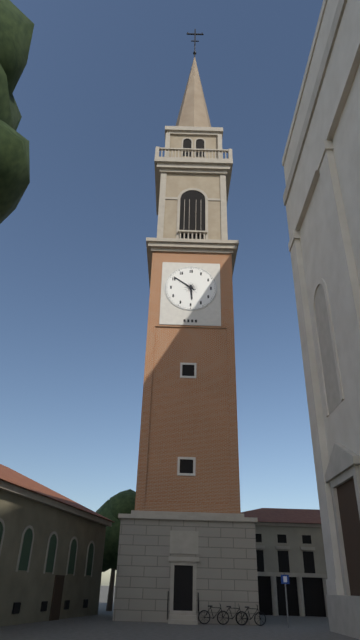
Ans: 5:51
